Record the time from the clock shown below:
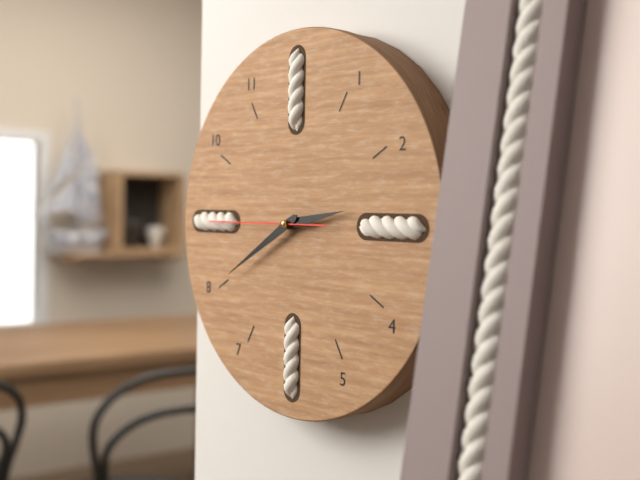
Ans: 2:40:45
